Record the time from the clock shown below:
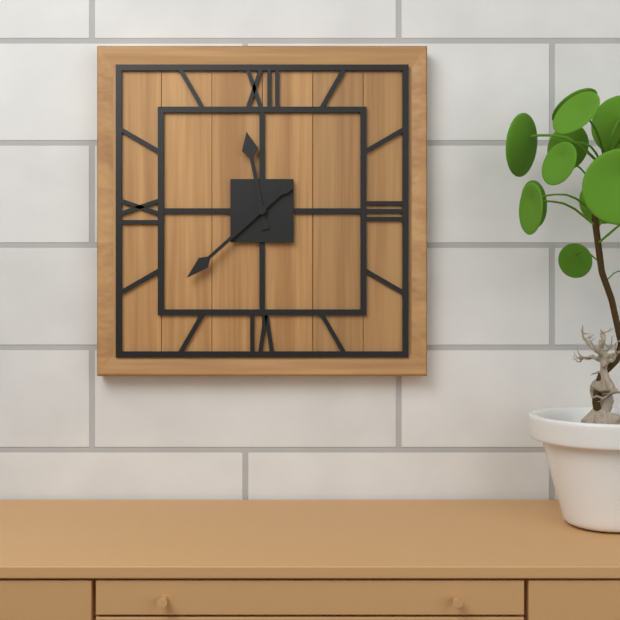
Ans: 11:38
